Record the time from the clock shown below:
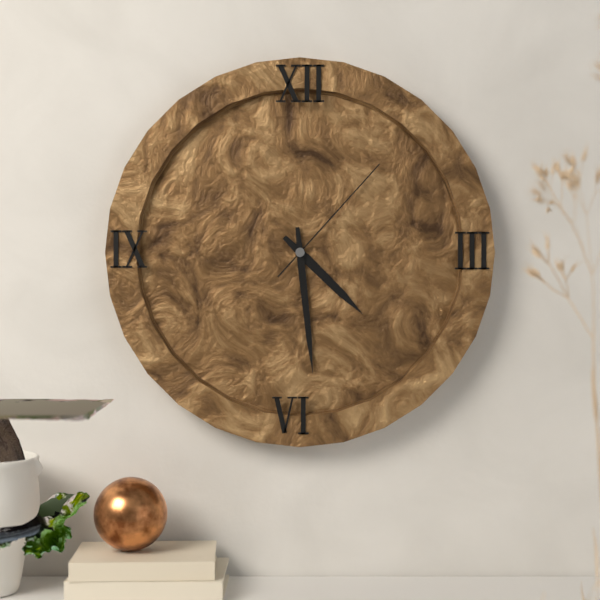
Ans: 4:29:07
